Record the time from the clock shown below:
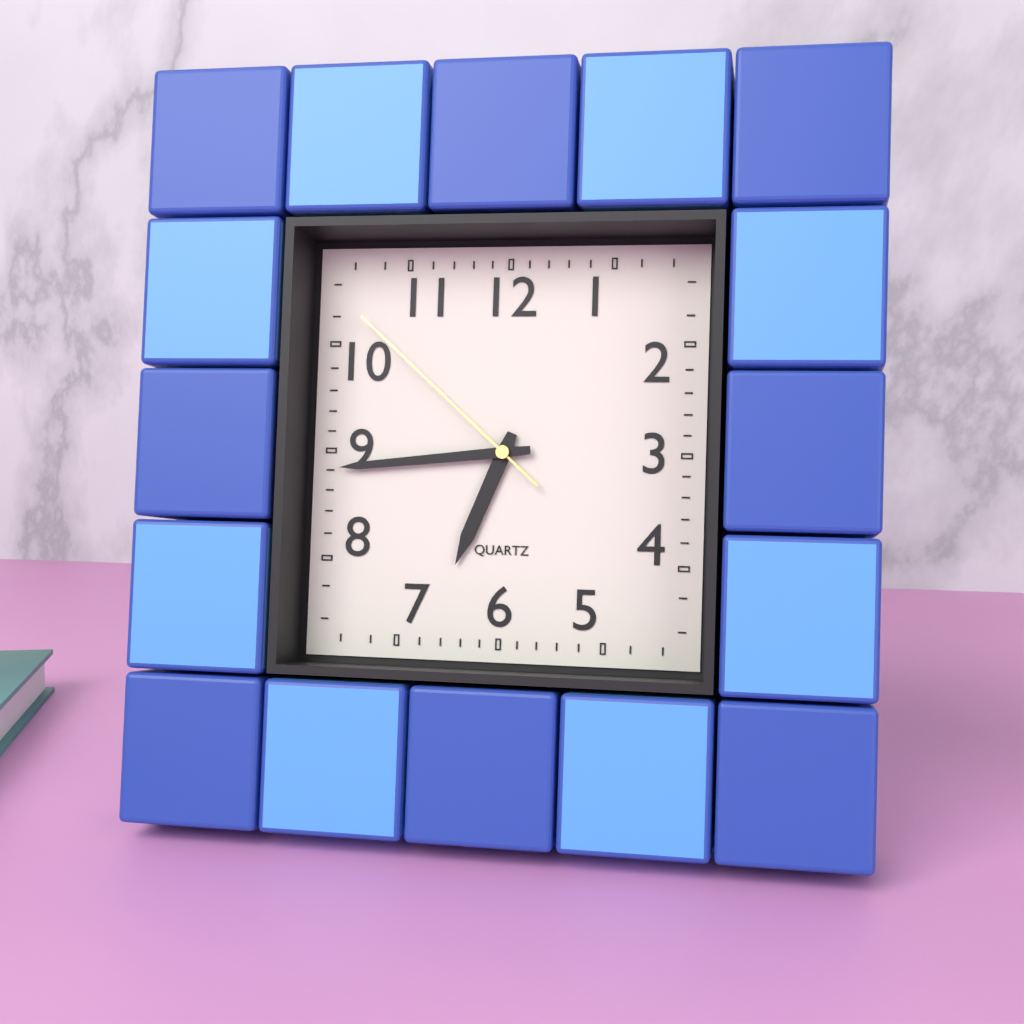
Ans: 6:44:52
